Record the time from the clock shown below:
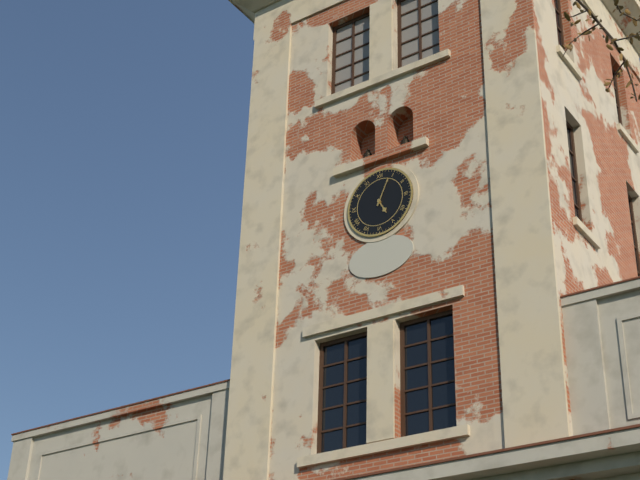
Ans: 5:04
